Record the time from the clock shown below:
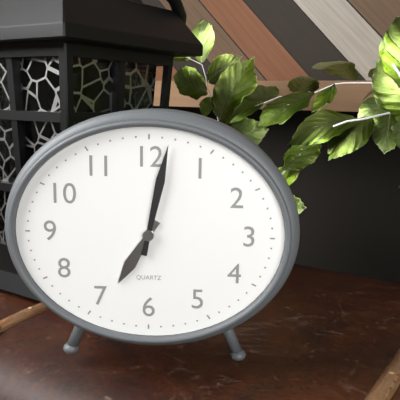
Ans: 7:02
